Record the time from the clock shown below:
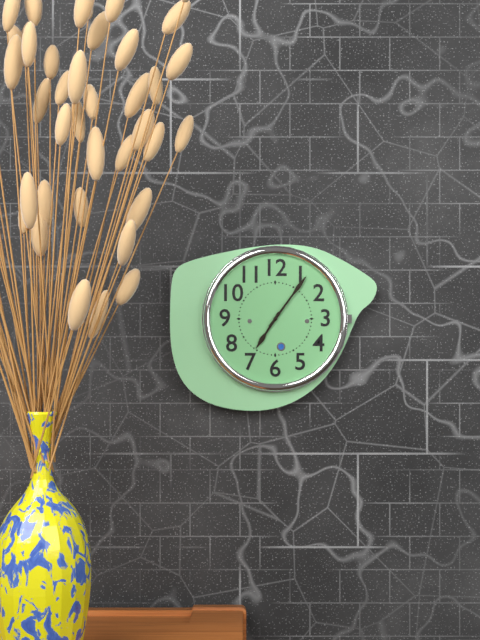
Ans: 7:06
